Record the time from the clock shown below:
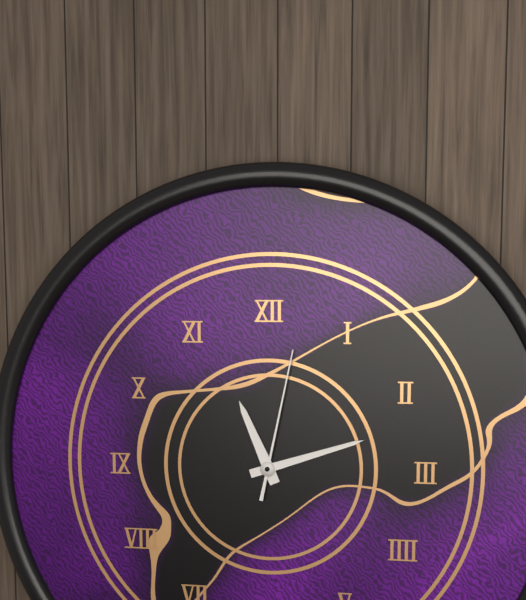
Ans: 11:12:02
